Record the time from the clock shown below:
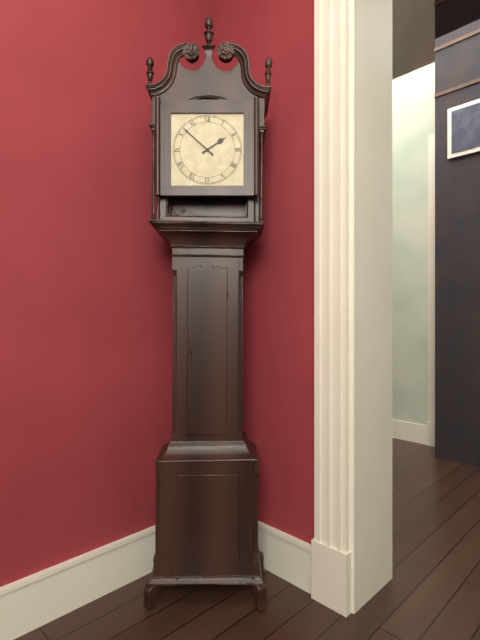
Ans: 1:52
